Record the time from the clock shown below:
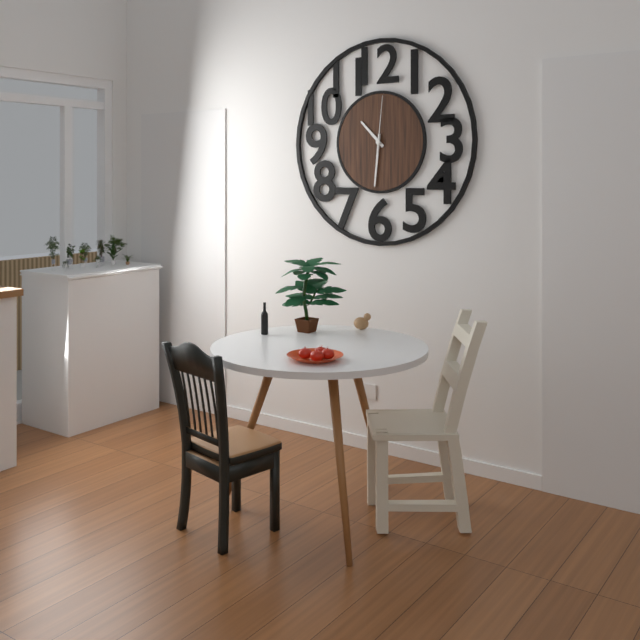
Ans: 10:31:01
